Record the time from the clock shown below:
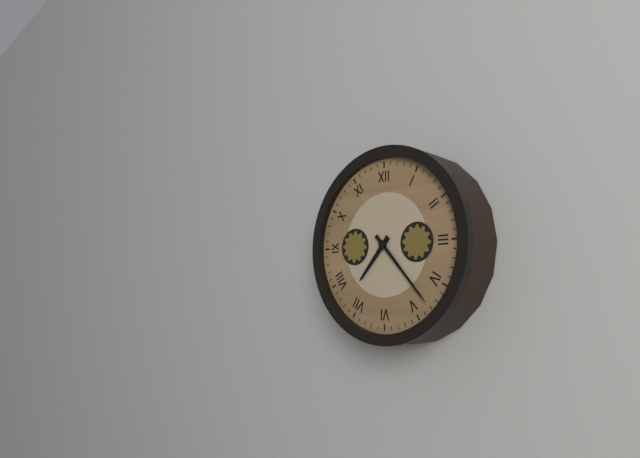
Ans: 7:23
